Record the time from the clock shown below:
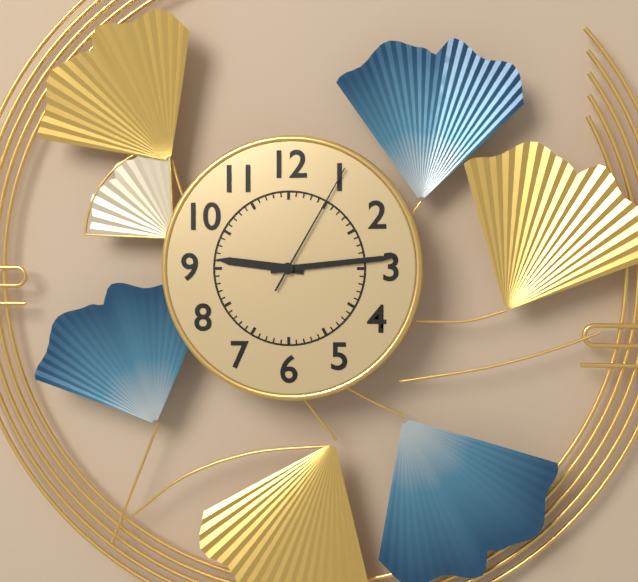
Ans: 9:14:05
